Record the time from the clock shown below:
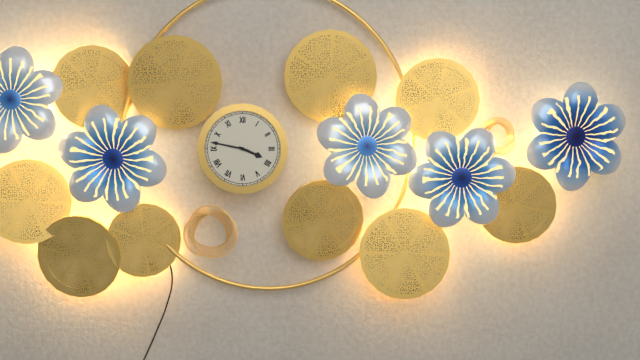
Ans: 3:47
